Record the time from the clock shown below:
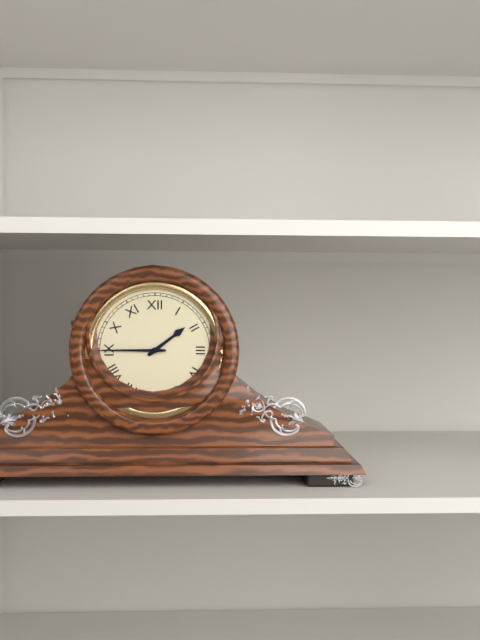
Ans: 1:45
